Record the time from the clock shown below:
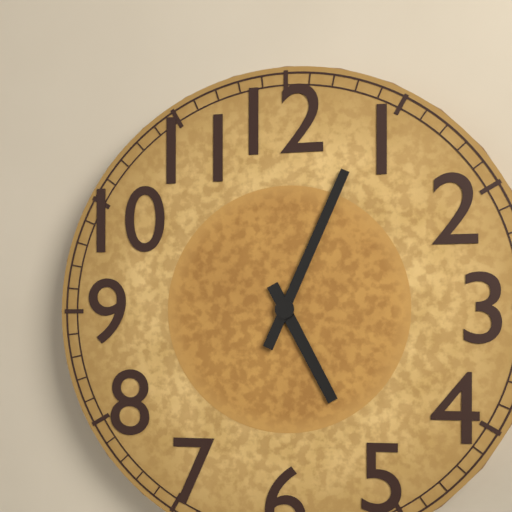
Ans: 5:04
